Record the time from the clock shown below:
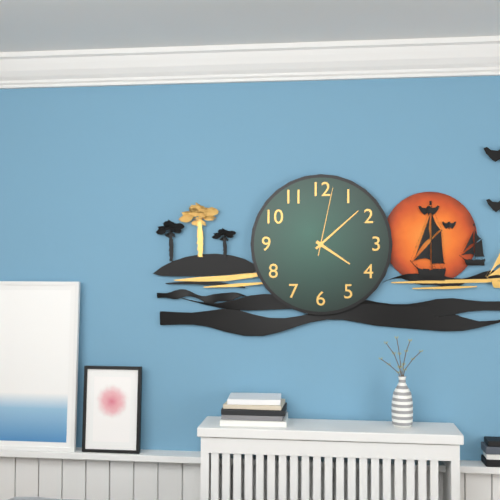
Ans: 4:08:02
